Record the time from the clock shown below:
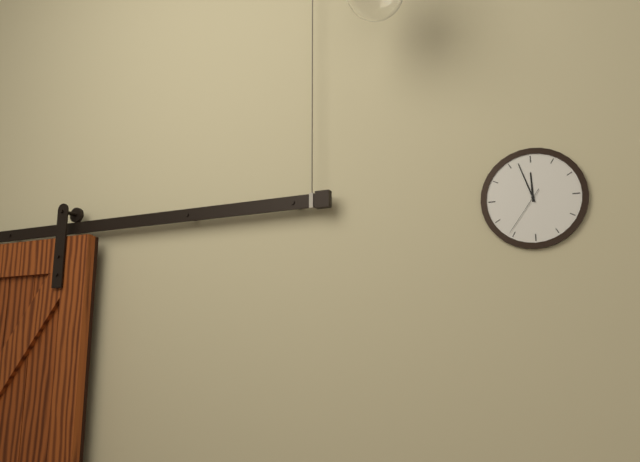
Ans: 11:57:36
